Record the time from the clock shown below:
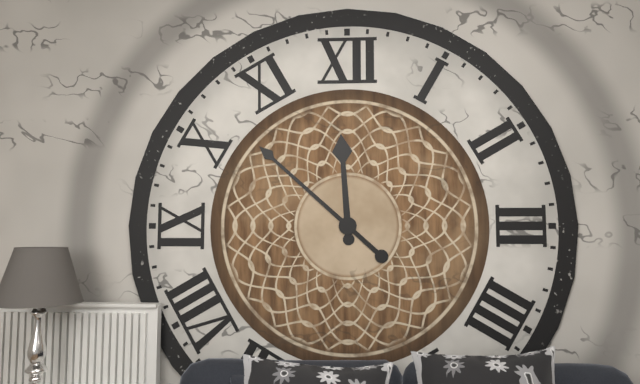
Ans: 11:52
